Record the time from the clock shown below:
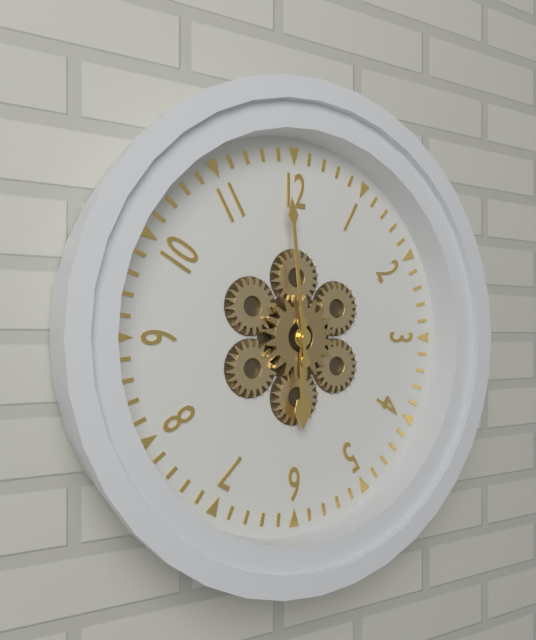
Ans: 5:59
